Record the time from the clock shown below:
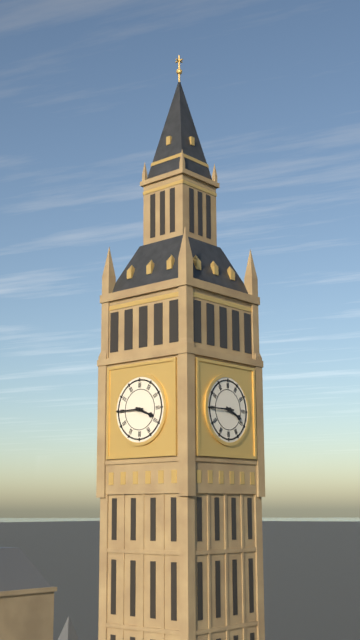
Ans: 3:45
